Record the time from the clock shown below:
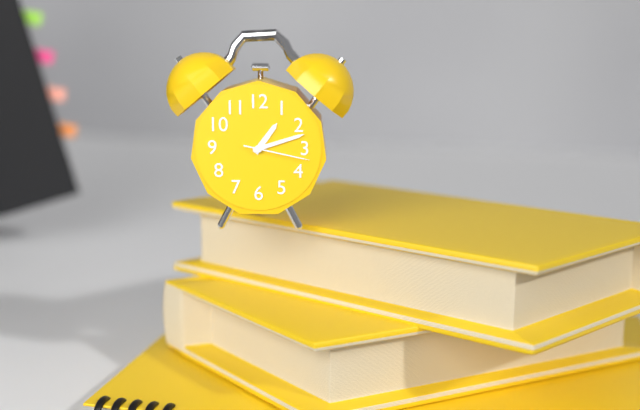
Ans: 1:12:17
